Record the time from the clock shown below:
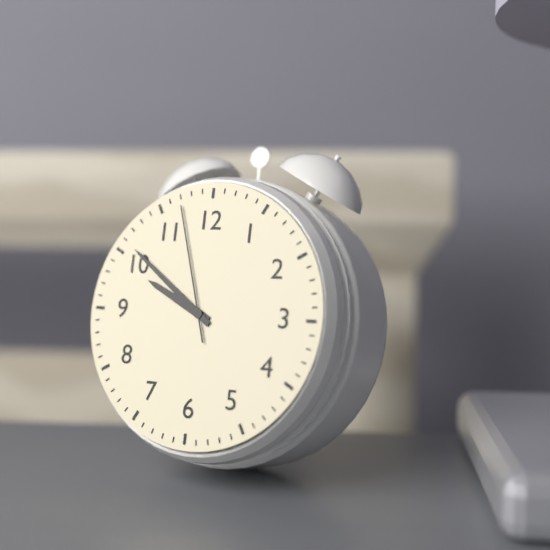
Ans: 9:51:57
